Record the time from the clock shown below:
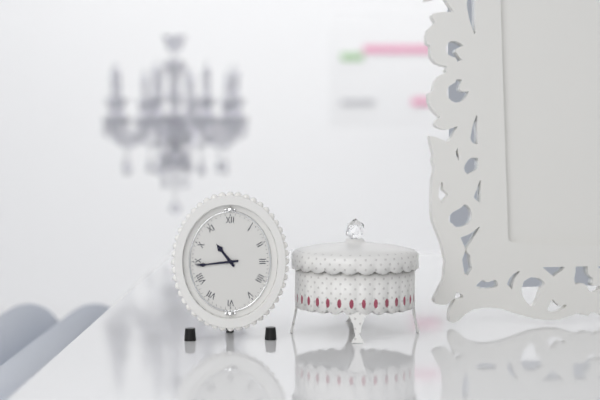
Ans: 10:44
